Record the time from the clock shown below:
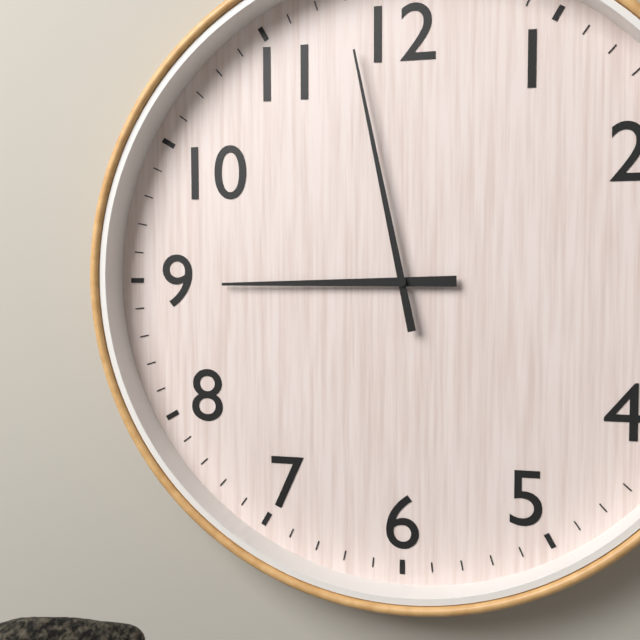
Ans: 8:58
